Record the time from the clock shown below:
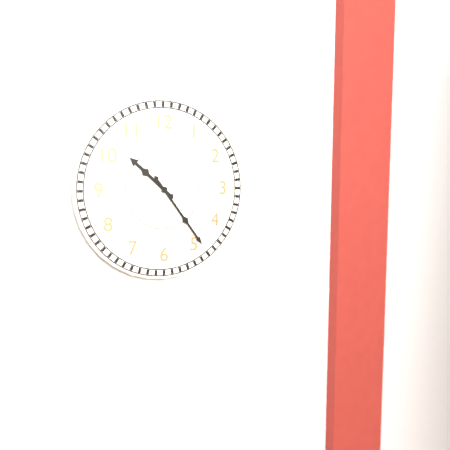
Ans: 10:24
